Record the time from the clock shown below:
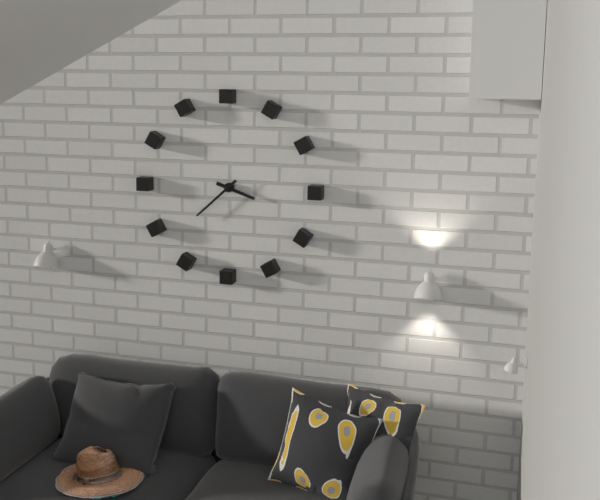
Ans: 3:38
